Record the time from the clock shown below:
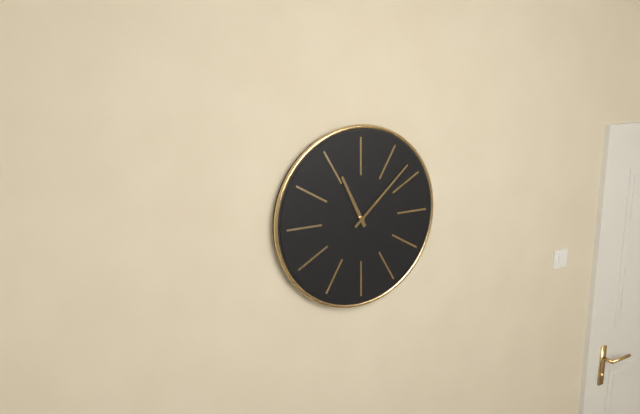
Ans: 11:08
